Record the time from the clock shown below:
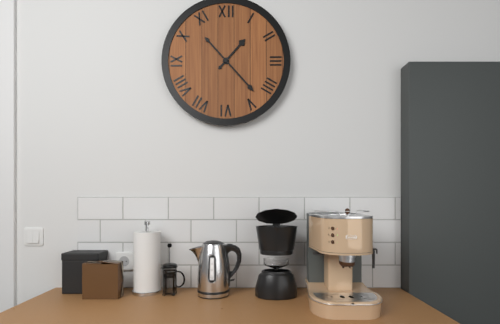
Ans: 1:23
